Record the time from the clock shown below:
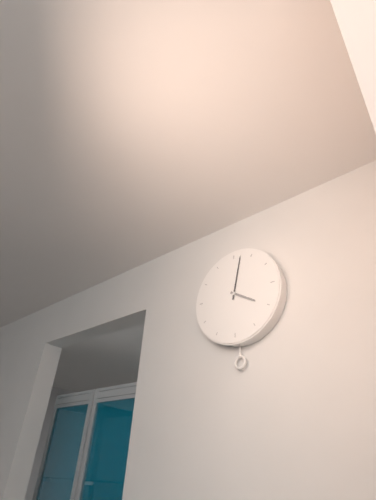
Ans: 4:02
